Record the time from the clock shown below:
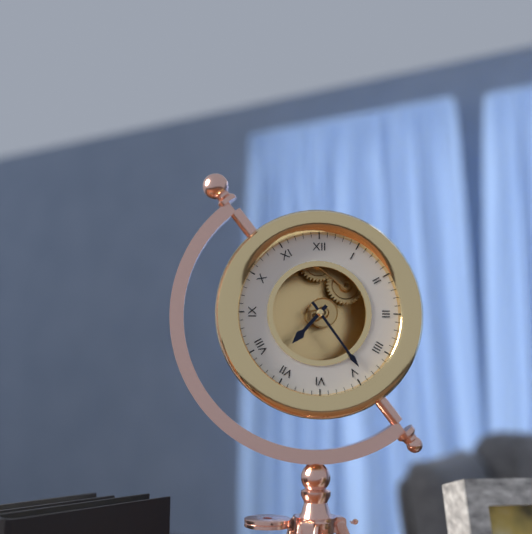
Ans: 7:24
